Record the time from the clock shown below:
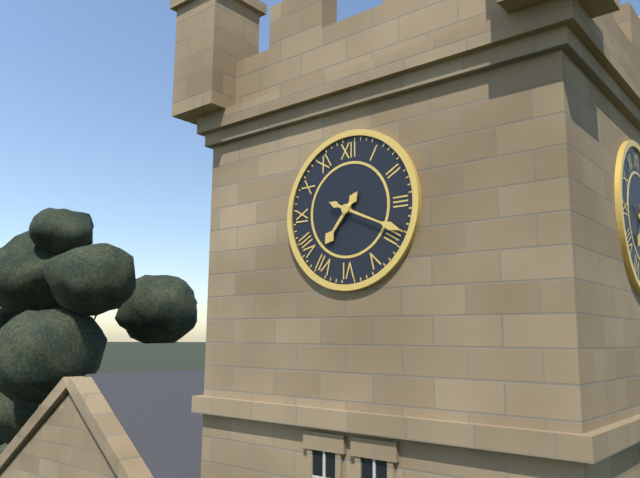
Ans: 7:19
